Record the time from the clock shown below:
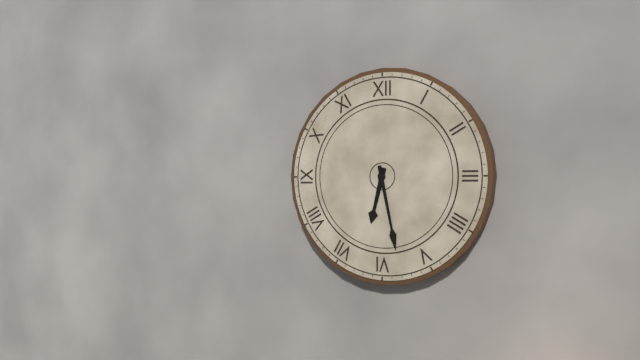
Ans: 6:28
